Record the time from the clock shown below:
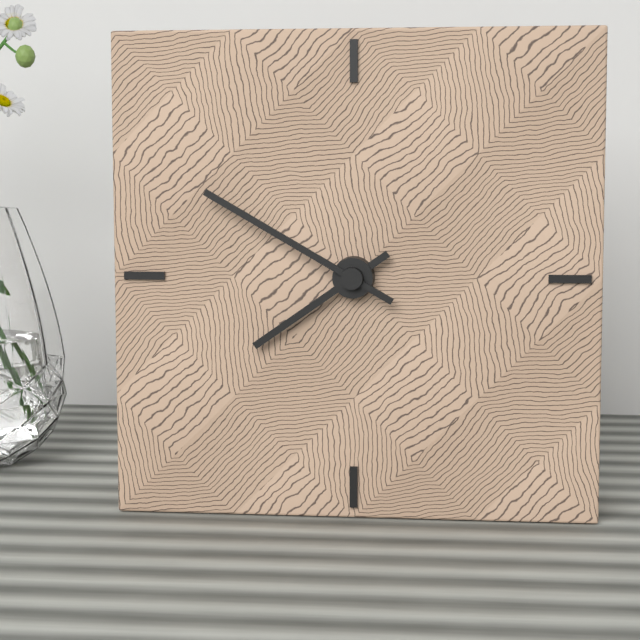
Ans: 7:50
